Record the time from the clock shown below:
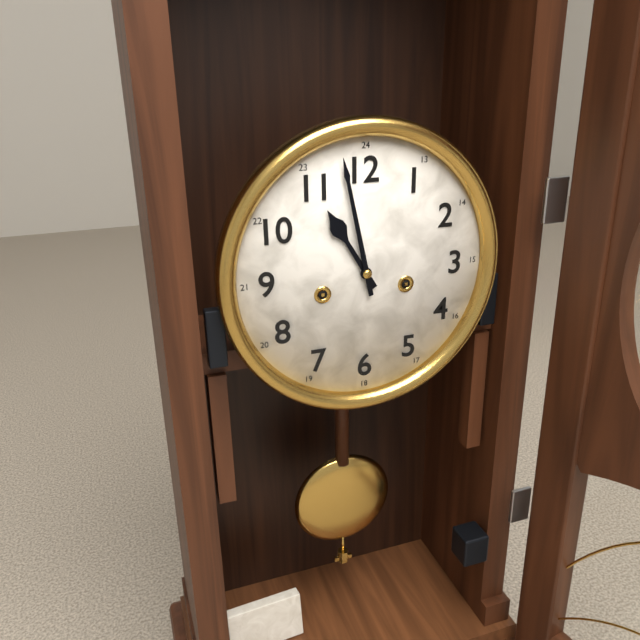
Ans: 10:58
